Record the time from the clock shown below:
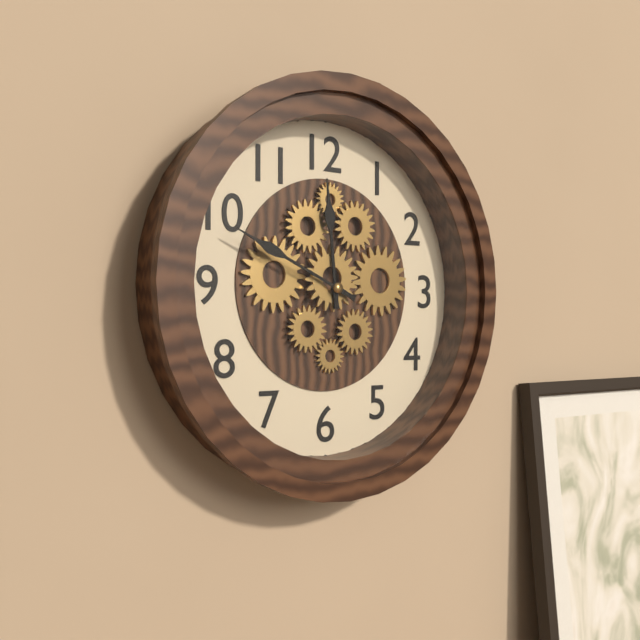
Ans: 11:49
